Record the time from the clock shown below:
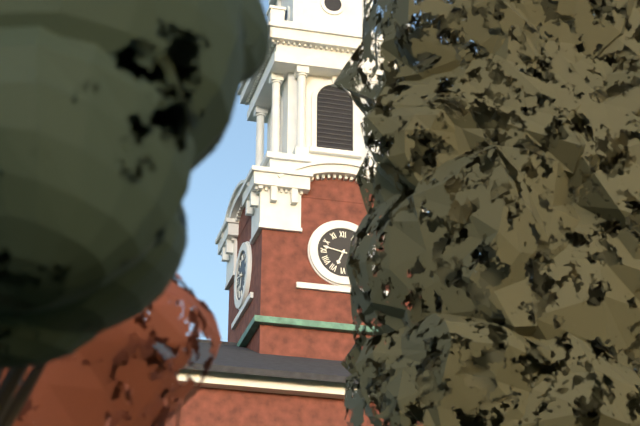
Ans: 6:47
